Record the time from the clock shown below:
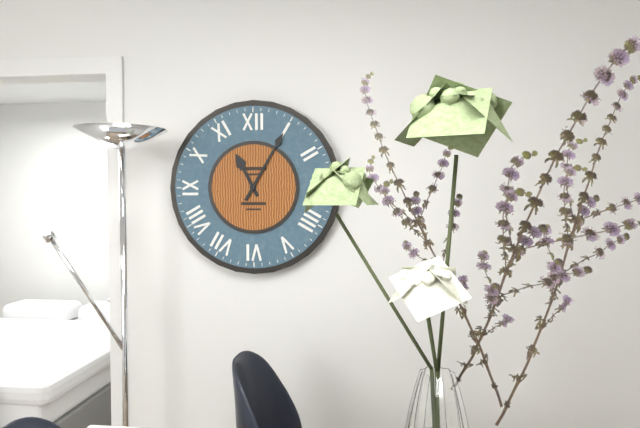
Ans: 11:05
